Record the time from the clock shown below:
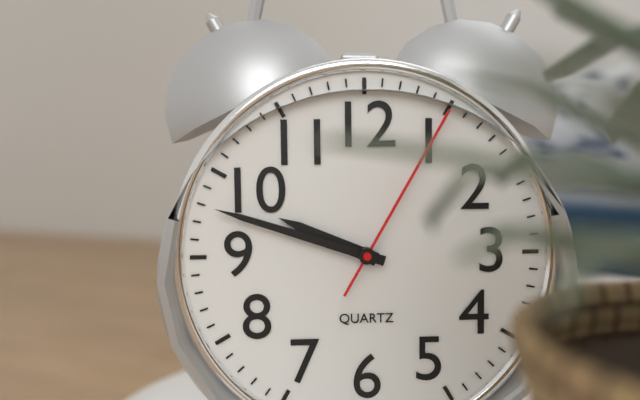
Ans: 9:48:05
